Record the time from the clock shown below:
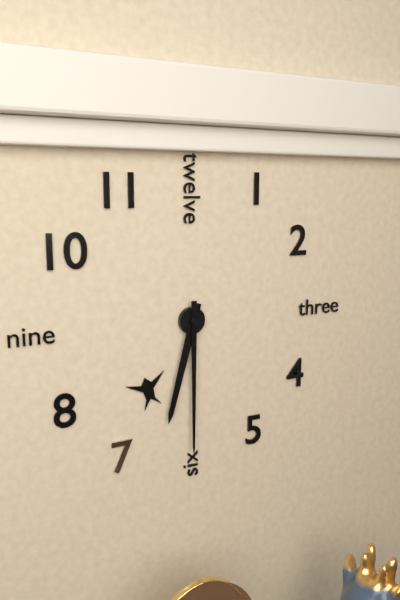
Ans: 6:30
